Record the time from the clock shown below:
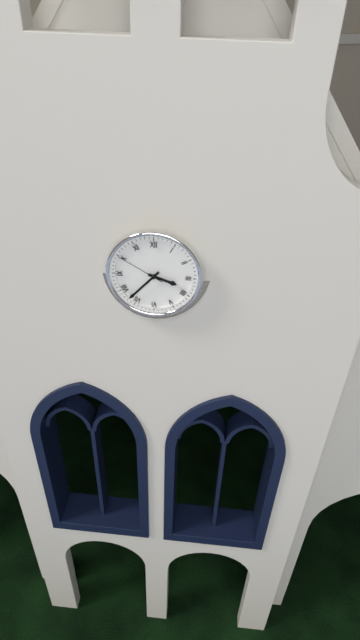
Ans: 3:37:50
